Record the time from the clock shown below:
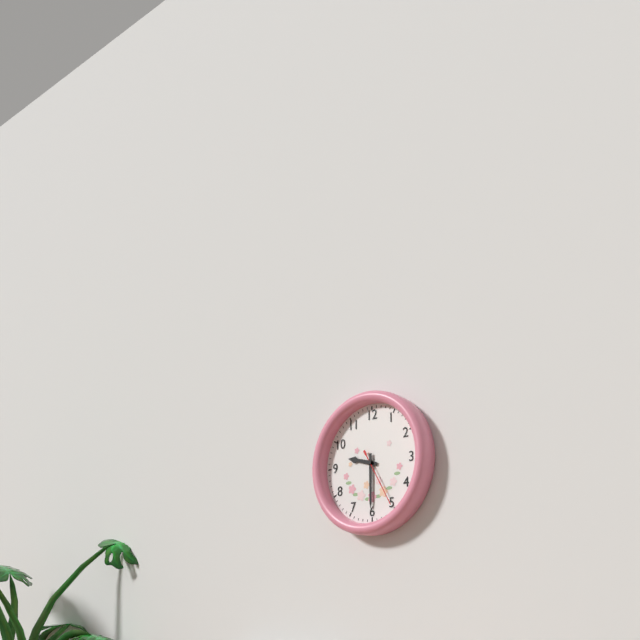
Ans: 9:30:25
